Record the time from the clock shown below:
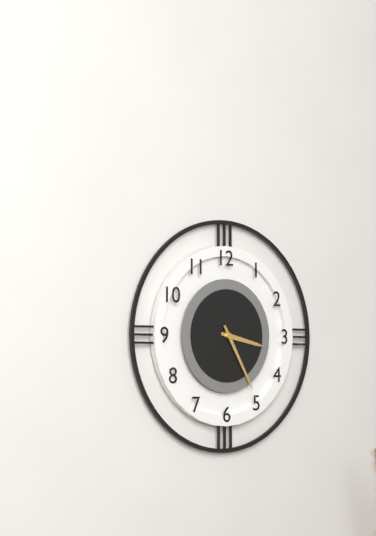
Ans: 3:25
